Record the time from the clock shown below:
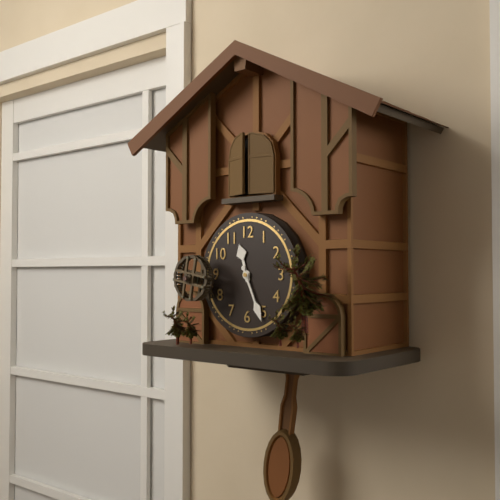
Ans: 11:26
